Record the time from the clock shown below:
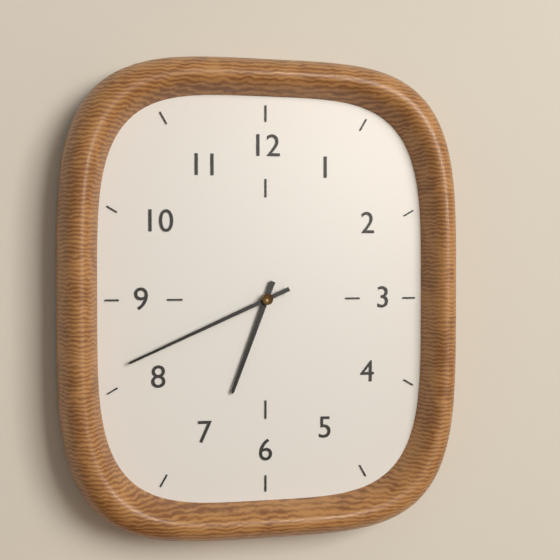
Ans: 6:41
